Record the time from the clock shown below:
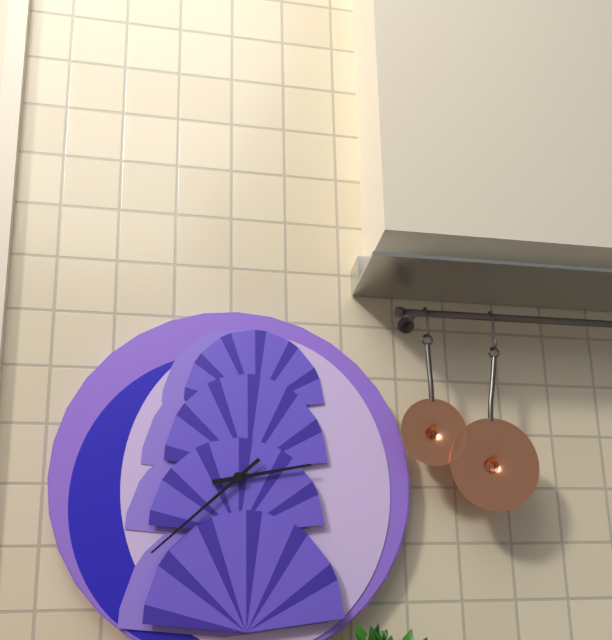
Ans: 2:38
